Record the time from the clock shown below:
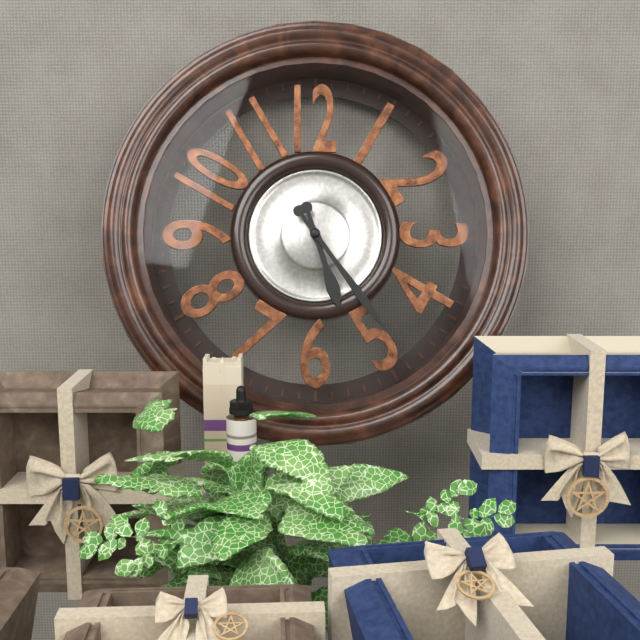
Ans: 5:24
